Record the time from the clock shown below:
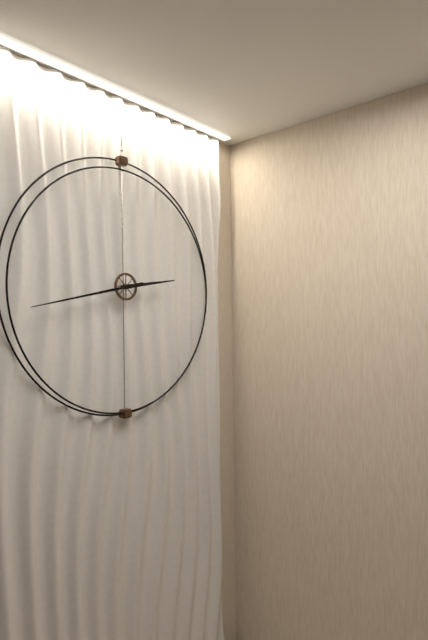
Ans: 2:43
